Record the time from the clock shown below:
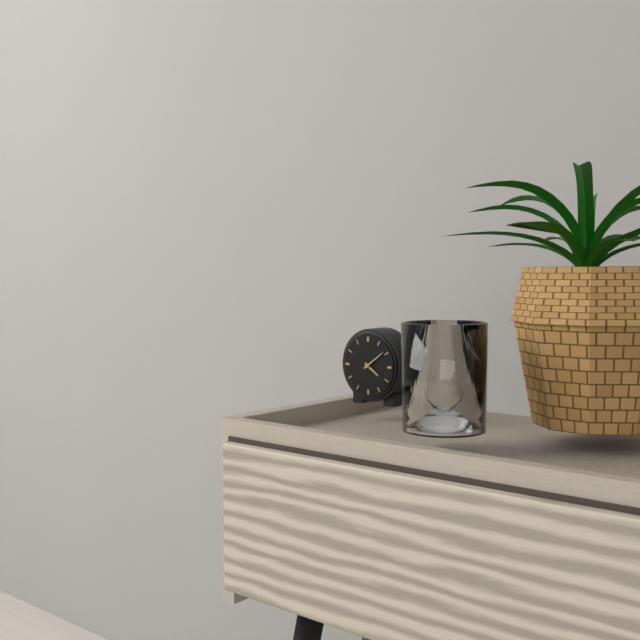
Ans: 4:09
